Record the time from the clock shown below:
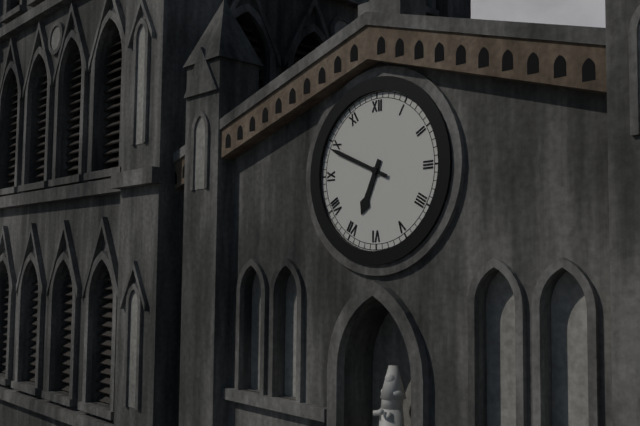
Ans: 6:49
